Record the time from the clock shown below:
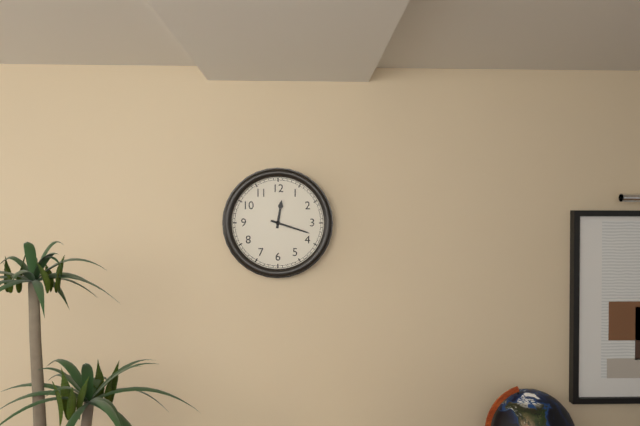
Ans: 12:18
